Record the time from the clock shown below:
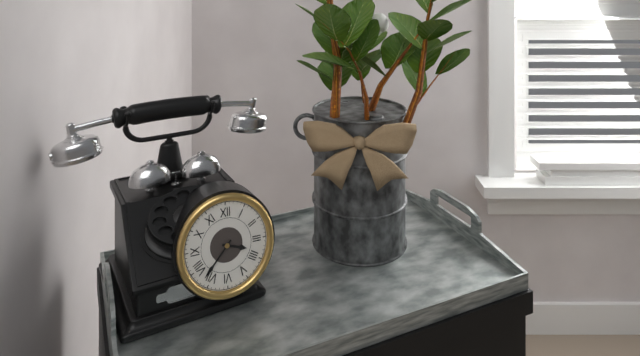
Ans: 3:37
